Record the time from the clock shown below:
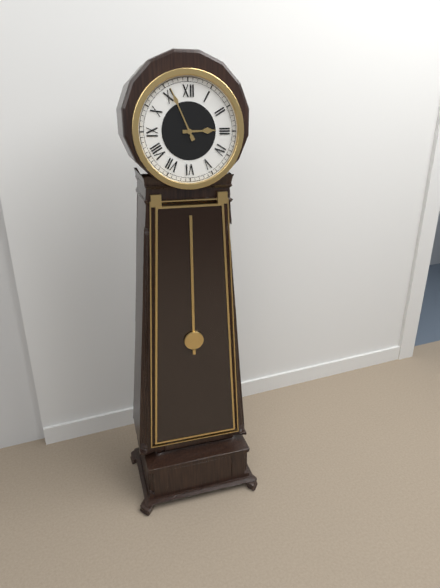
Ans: 2:56
